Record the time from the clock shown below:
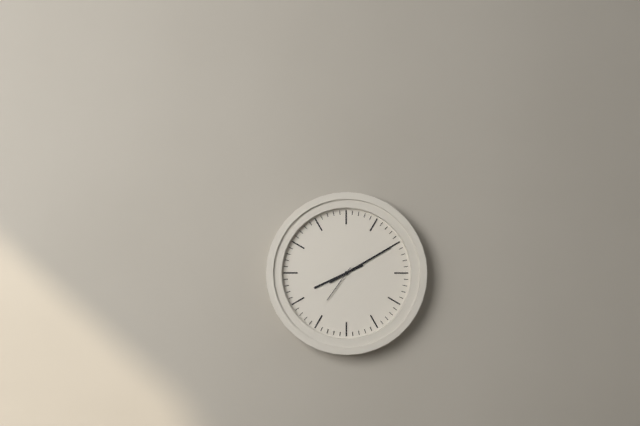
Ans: 8:10
